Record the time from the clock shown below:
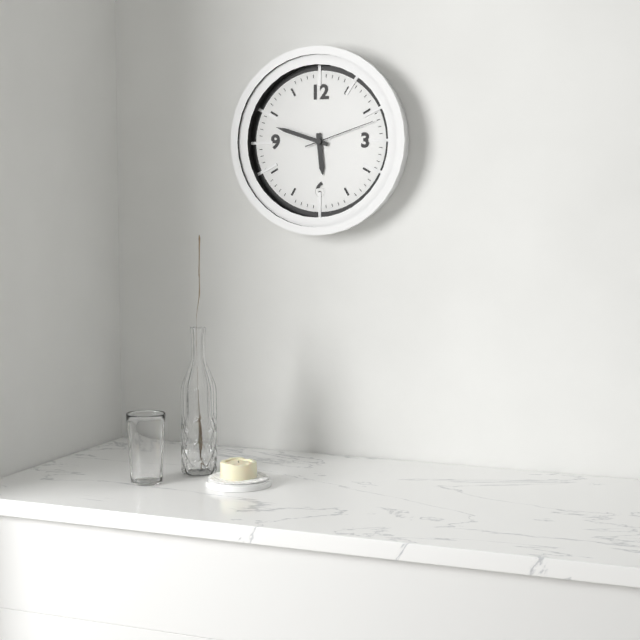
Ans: 5:48:12
